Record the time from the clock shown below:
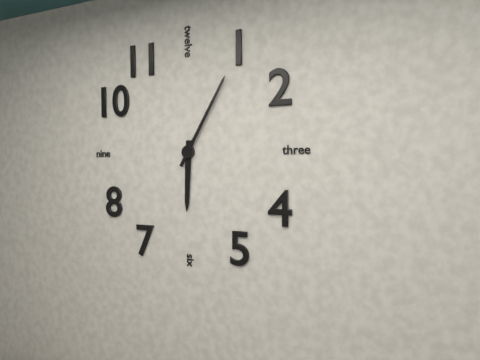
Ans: 6:05
